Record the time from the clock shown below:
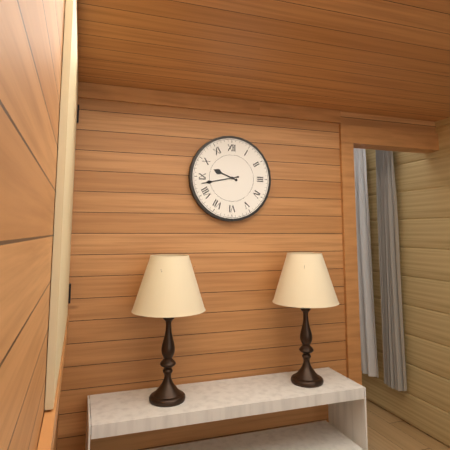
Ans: 9:43
